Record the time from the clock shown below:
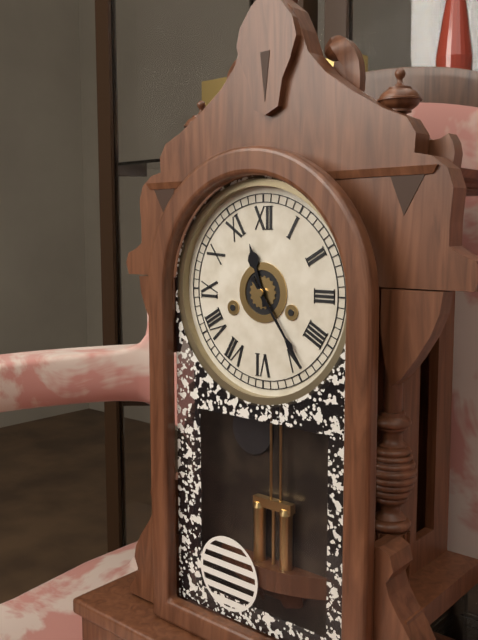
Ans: 11:24
